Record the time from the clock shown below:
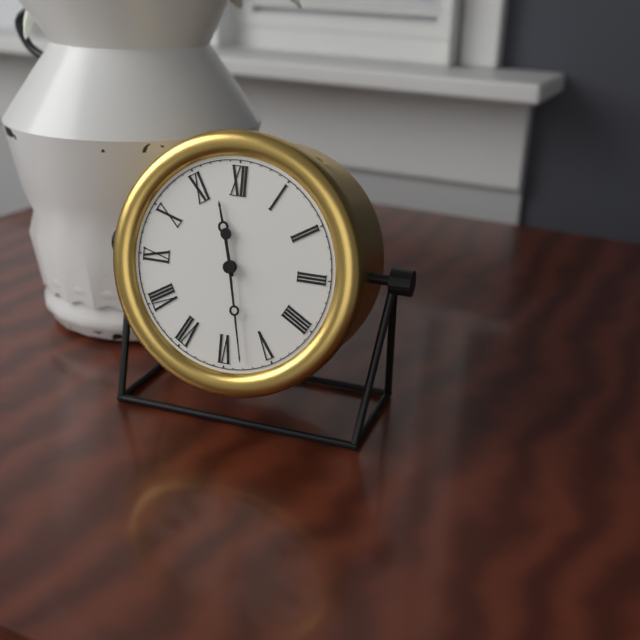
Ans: 11:28
